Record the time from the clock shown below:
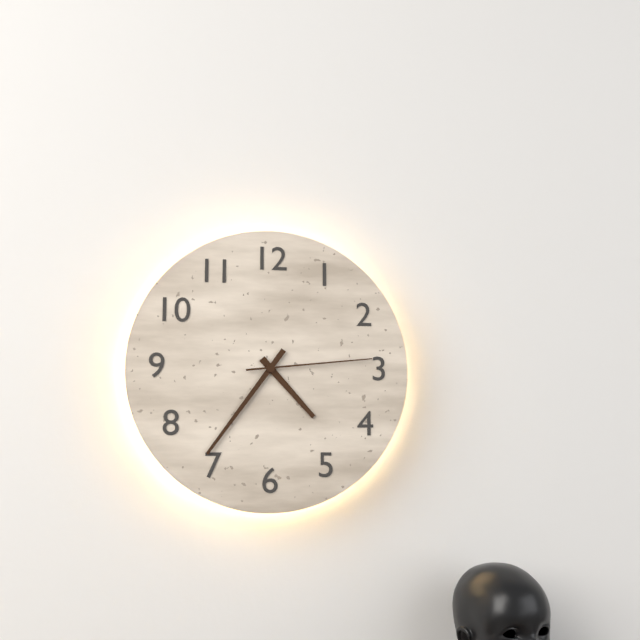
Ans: 4:36:14
